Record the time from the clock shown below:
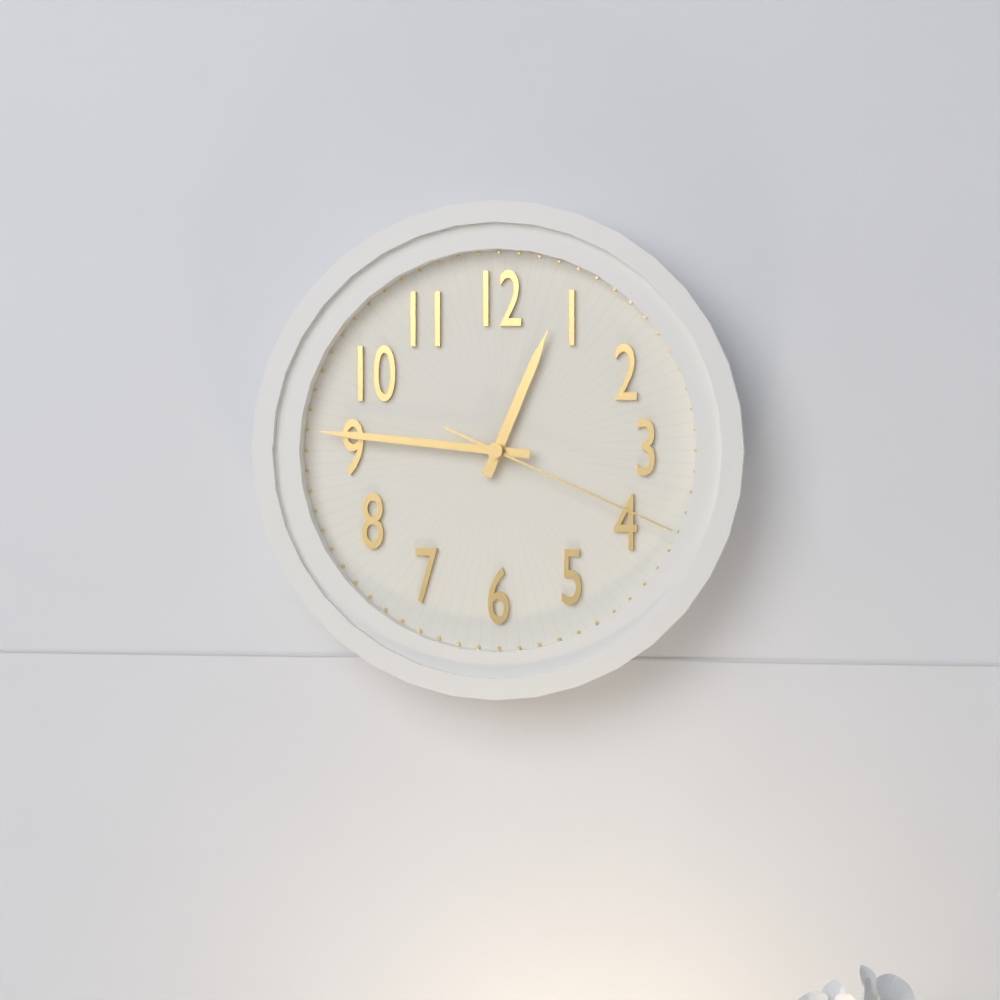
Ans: 12:46:19
